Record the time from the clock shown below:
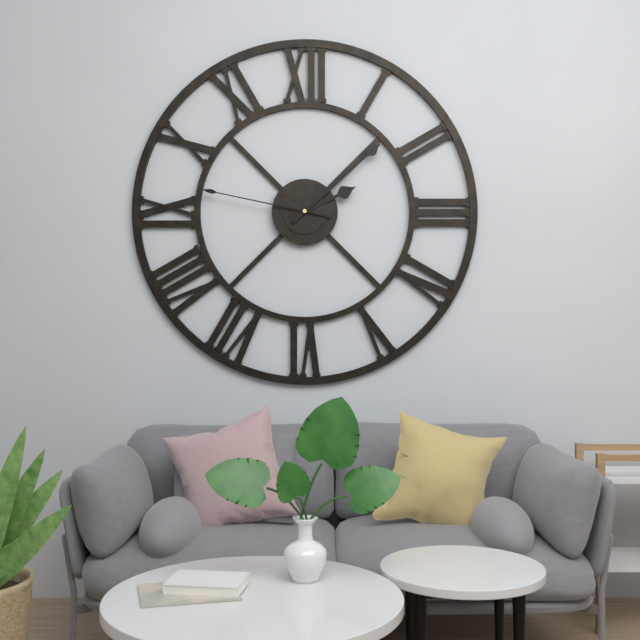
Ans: 2:08:47
